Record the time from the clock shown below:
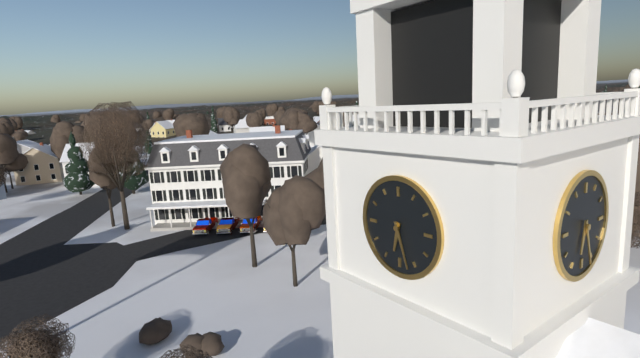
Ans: 6:27
